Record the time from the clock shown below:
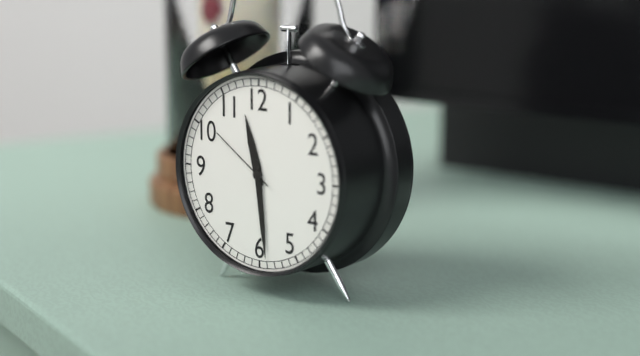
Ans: 11:29:51
